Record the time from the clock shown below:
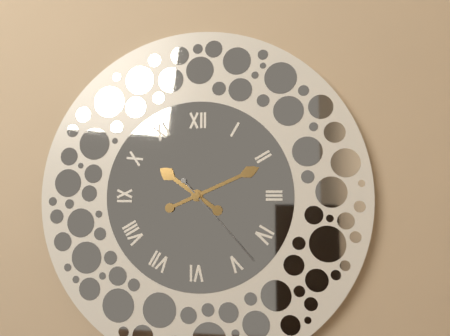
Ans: 10:11:23
